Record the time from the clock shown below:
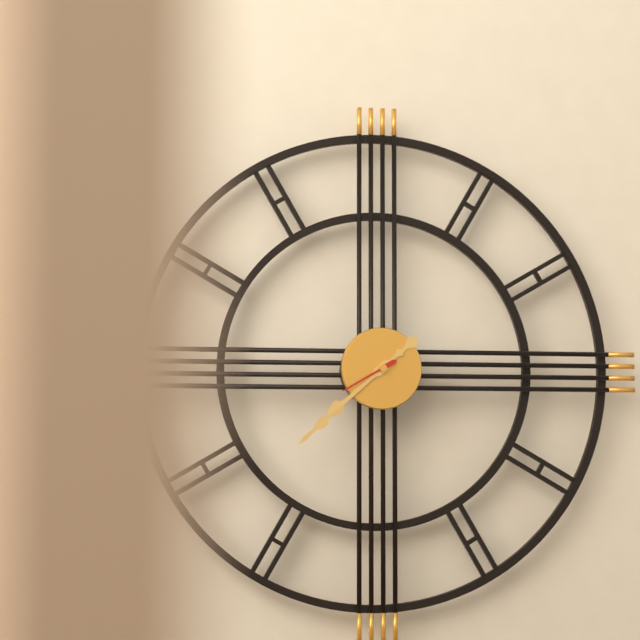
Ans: 7:38:40
